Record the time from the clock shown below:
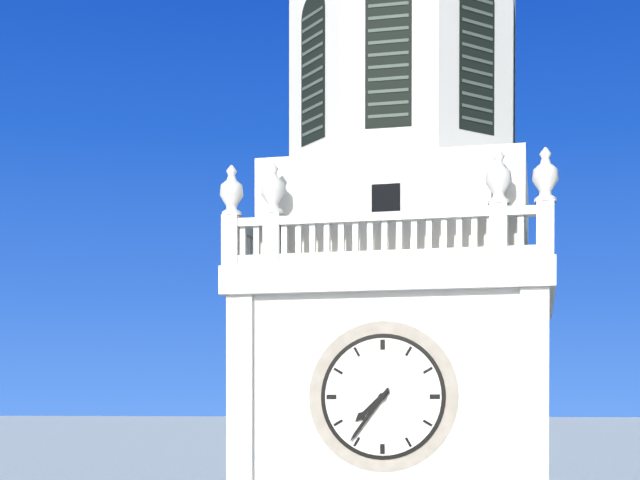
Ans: 7:36
